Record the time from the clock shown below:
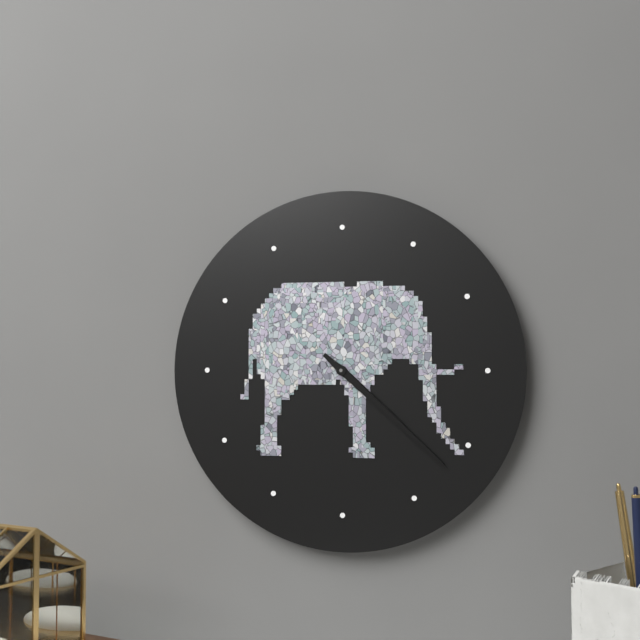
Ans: 4:22
